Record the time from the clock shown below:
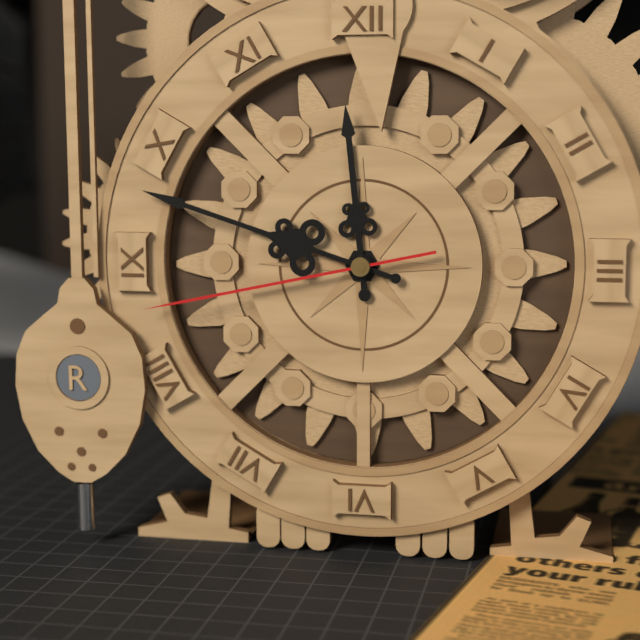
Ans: 11:48:43
